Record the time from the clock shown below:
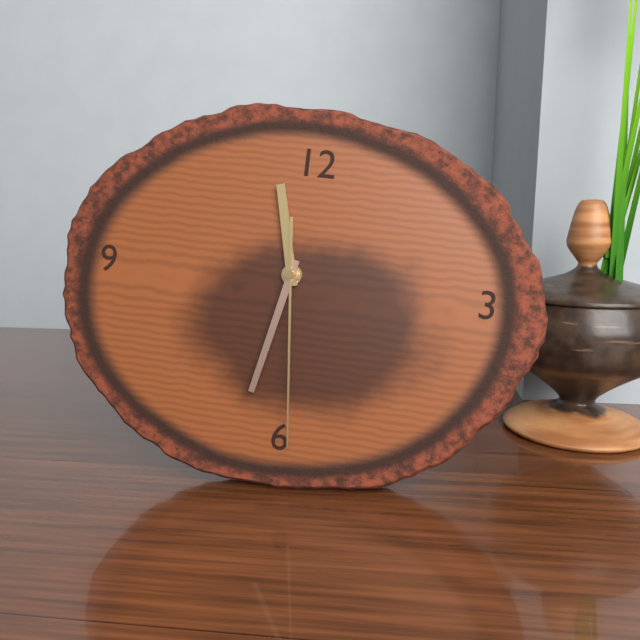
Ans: 11:32:29
